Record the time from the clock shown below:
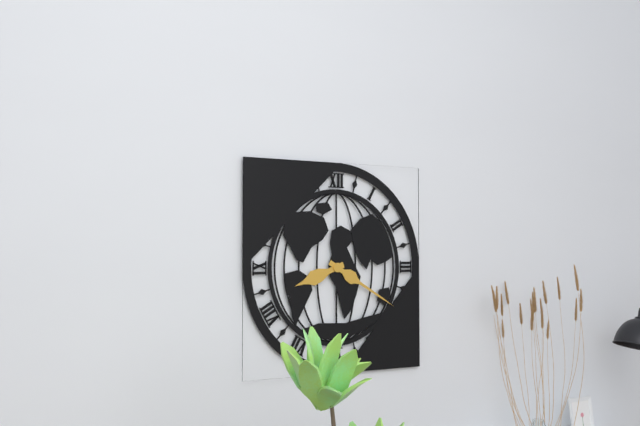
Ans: 8:20
